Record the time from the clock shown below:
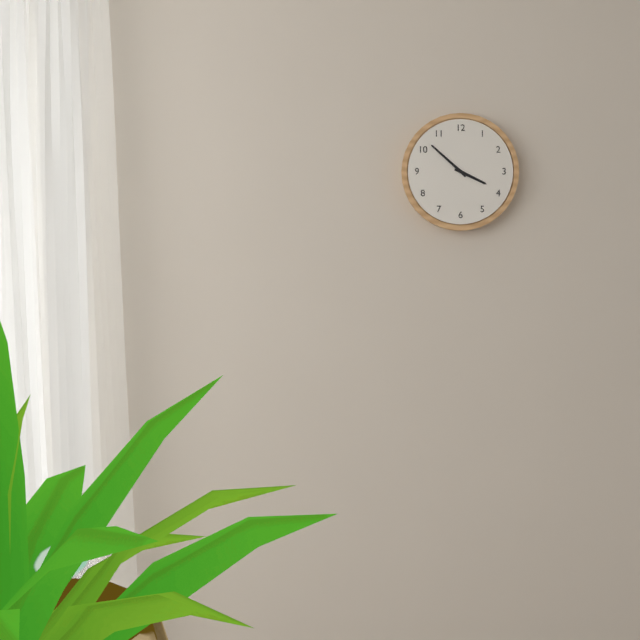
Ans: 3:52
